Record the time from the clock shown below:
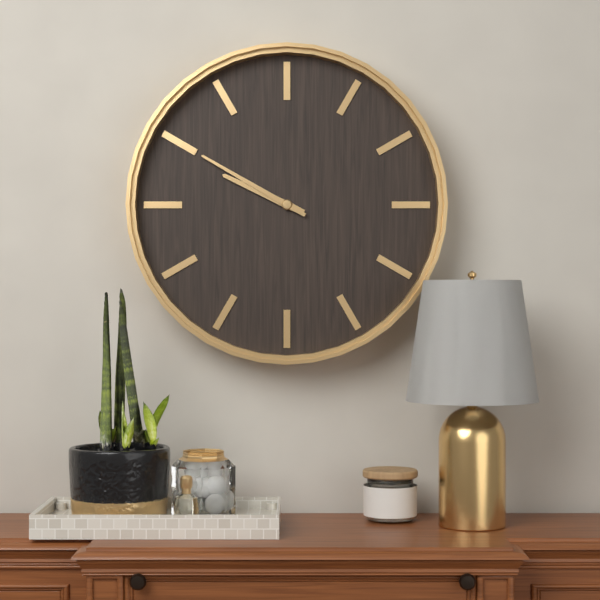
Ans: 9:50
